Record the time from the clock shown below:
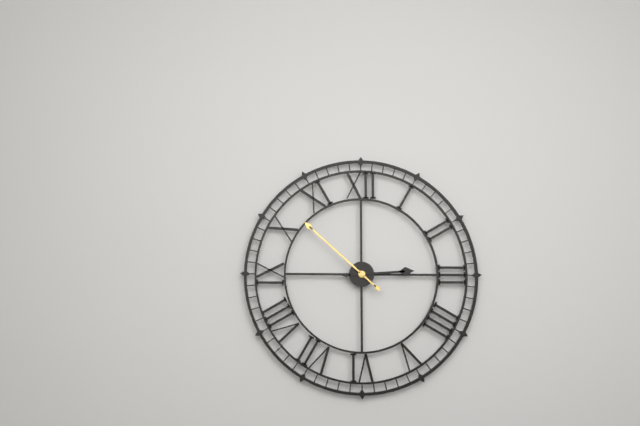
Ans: 2:52
